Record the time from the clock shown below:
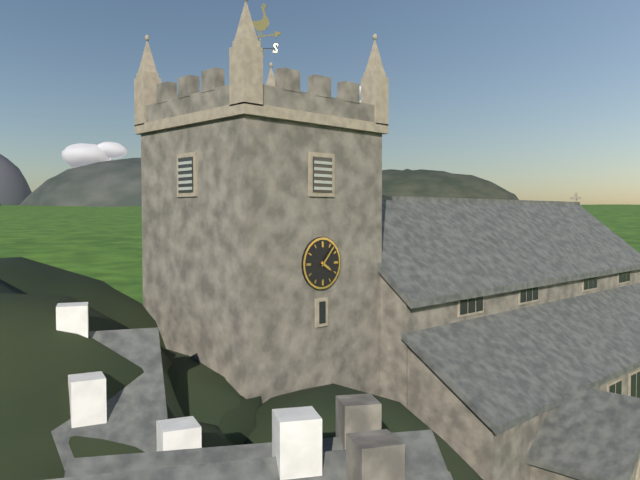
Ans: 4:07
